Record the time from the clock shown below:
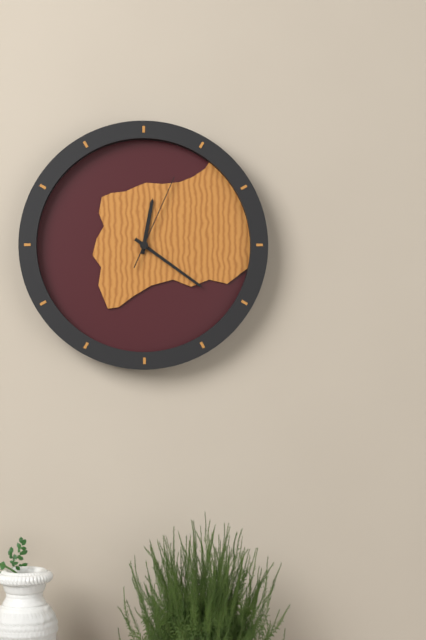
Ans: 12:21:04
